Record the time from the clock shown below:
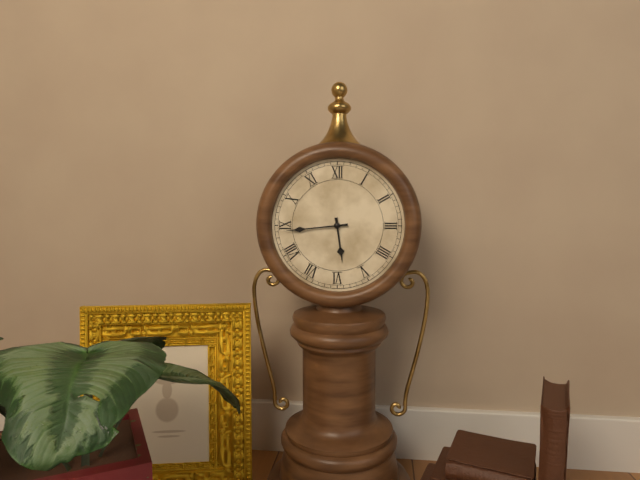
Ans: 5:44
